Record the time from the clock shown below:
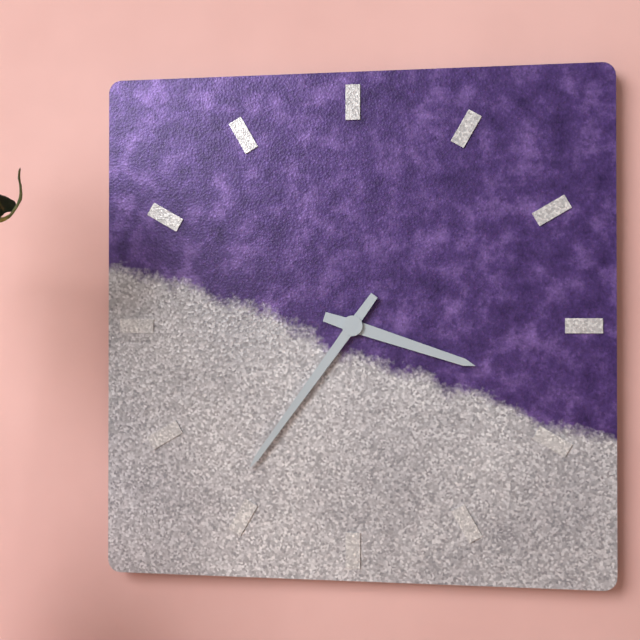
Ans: 3:36
